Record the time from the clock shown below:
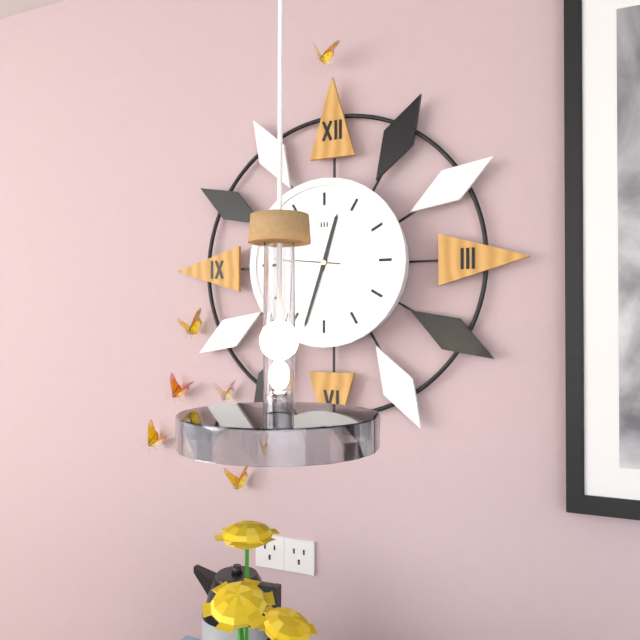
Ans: 12:33:46
